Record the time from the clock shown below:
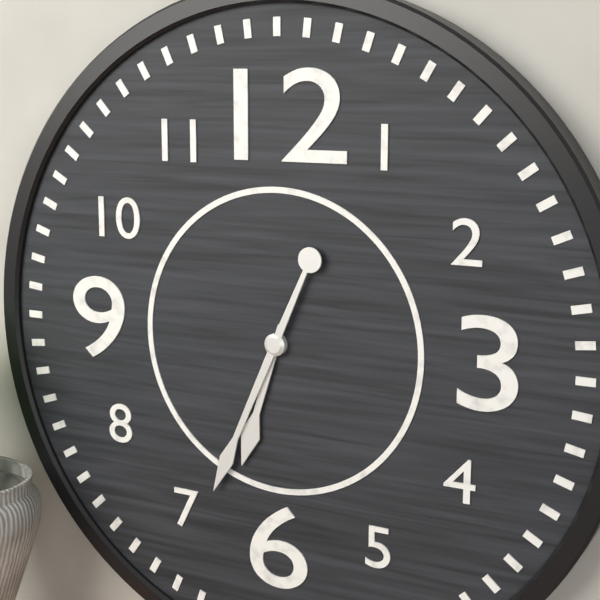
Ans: 6:34
